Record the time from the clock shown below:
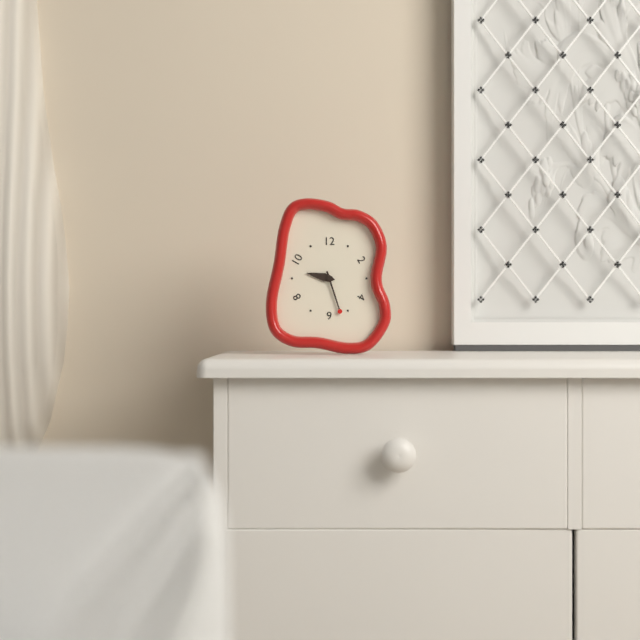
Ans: 9:27
